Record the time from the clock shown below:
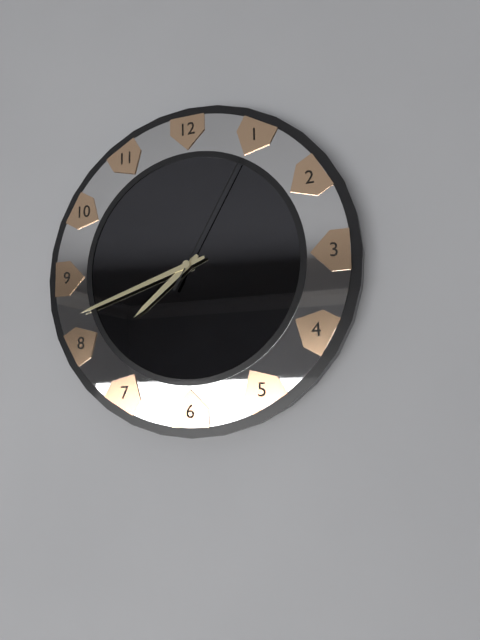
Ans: 7:42:05
